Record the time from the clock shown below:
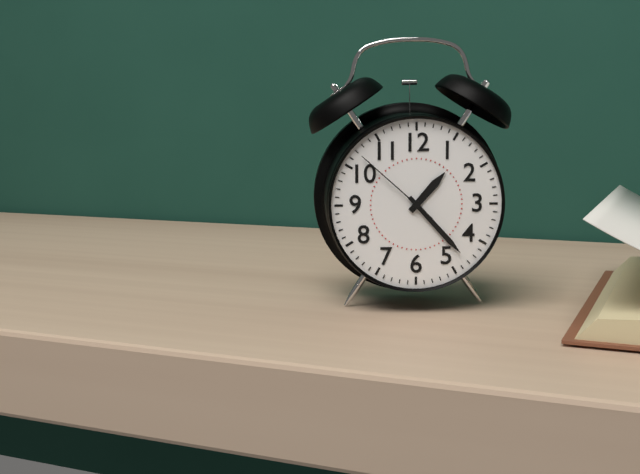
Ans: 1:23:52
